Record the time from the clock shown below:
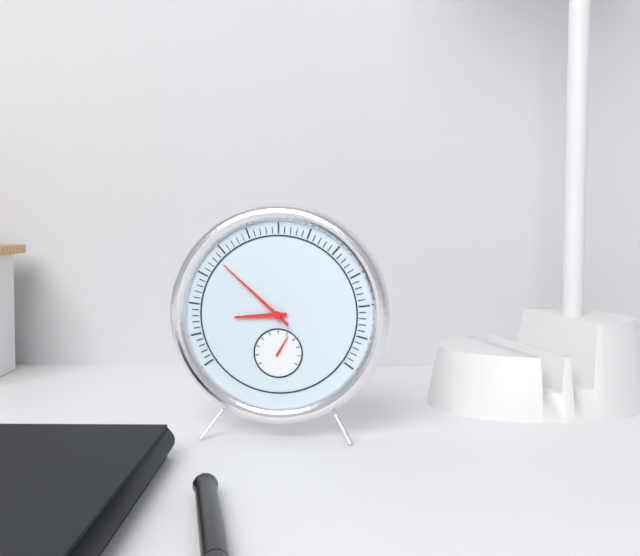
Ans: 8:52
